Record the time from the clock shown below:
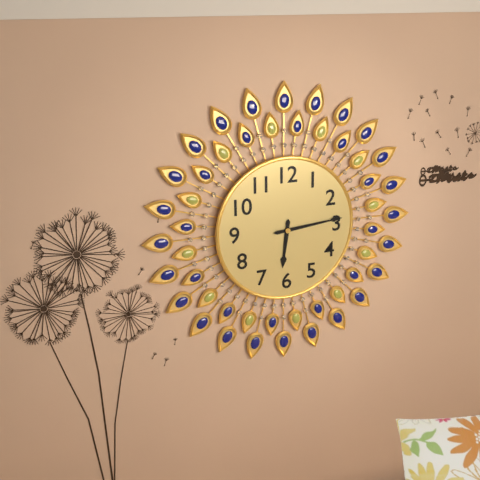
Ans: 6:14
